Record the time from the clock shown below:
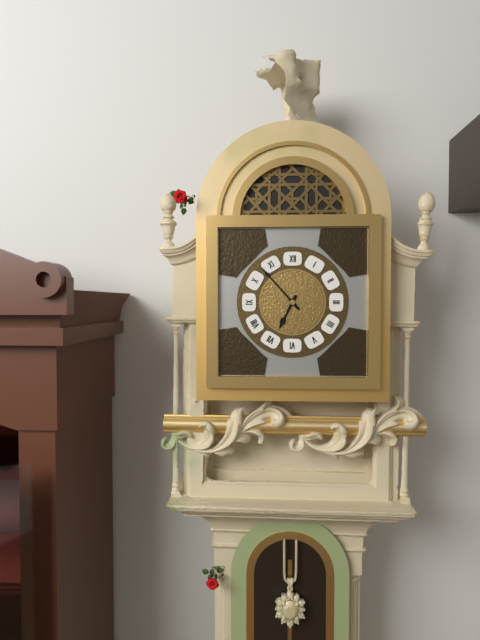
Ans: 6:53
